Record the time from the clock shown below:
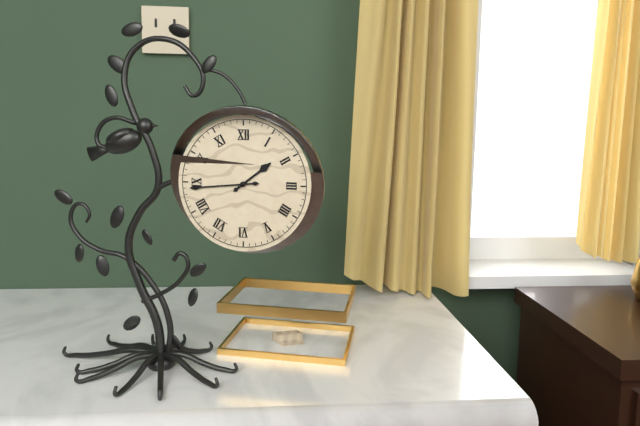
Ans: 1:44
